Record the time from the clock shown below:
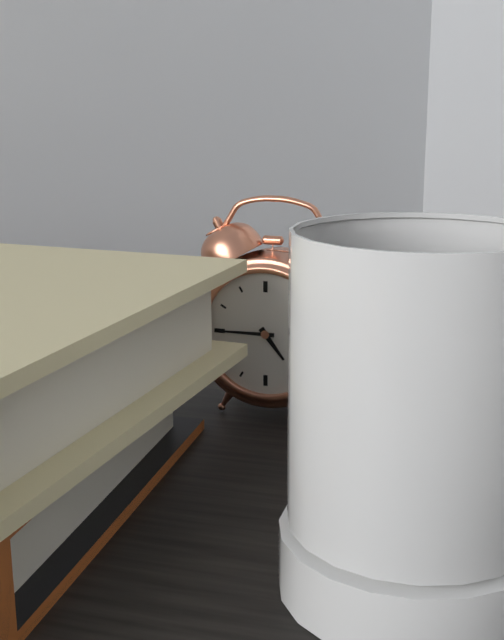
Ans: 4:45
